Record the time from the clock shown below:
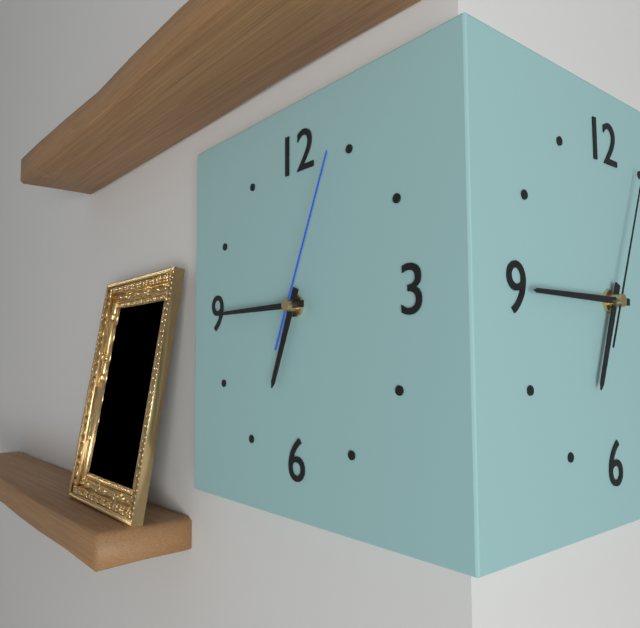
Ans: 6:45:04
